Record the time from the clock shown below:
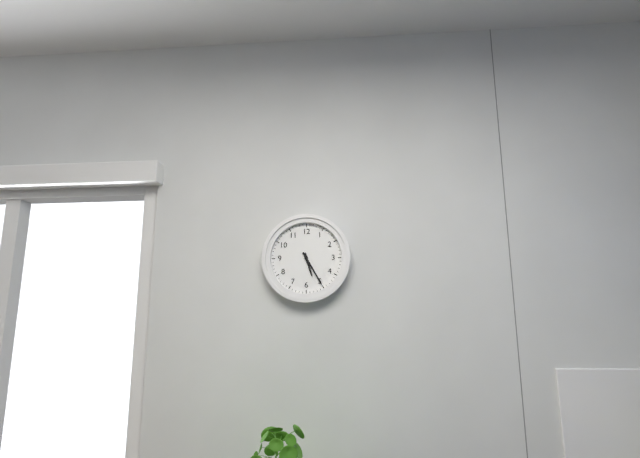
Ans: 5:25
